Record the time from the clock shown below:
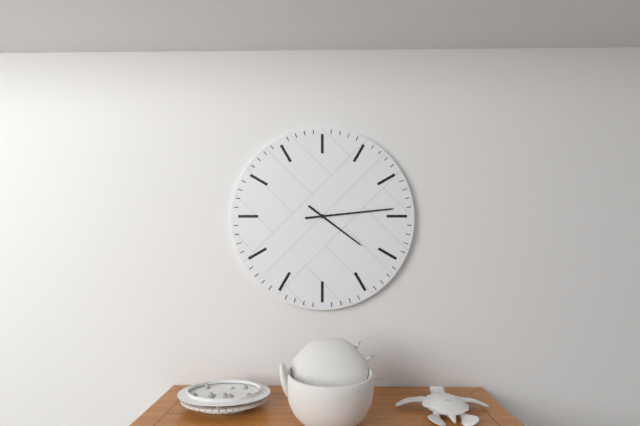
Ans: 4:14
